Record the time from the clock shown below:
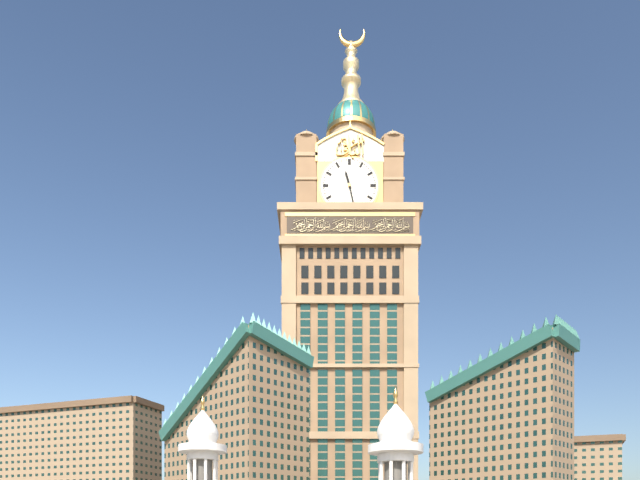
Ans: 11:28
